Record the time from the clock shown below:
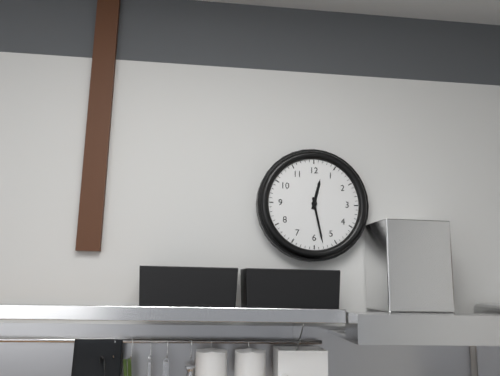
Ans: 12:28
